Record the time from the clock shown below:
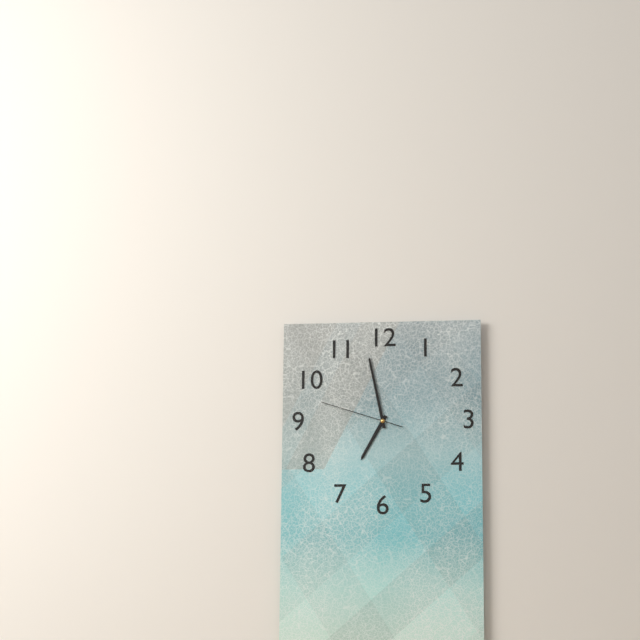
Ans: 6:58:48
